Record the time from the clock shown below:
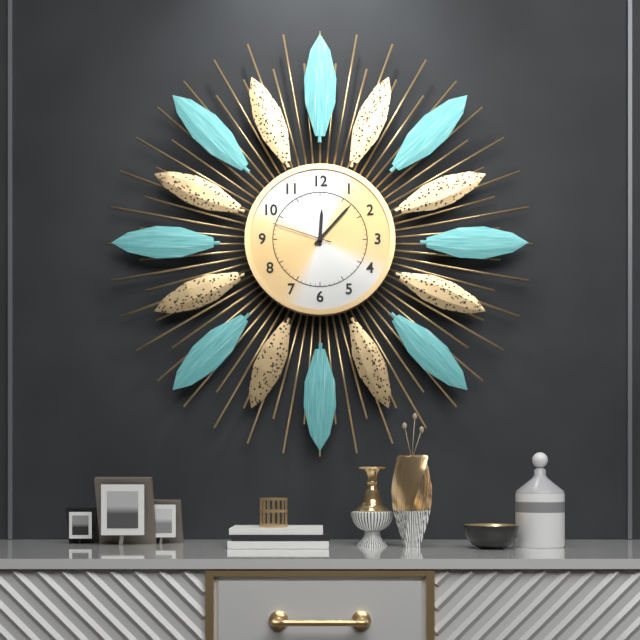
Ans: 12:07:48
